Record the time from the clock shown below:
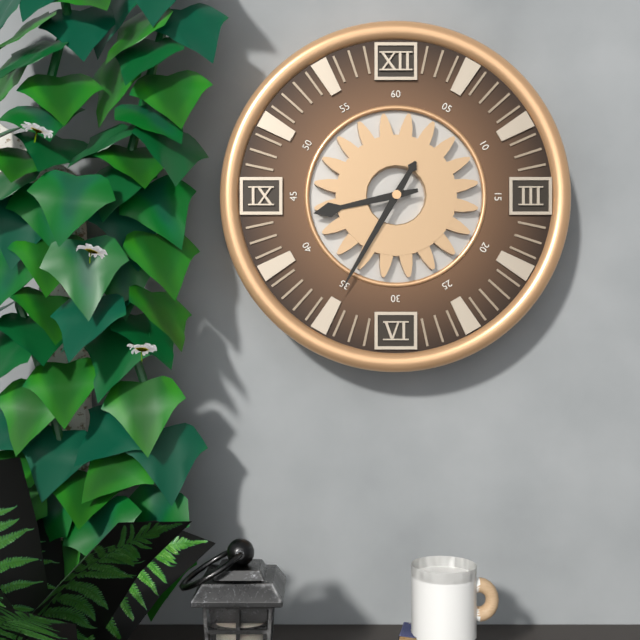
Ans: 8:35
